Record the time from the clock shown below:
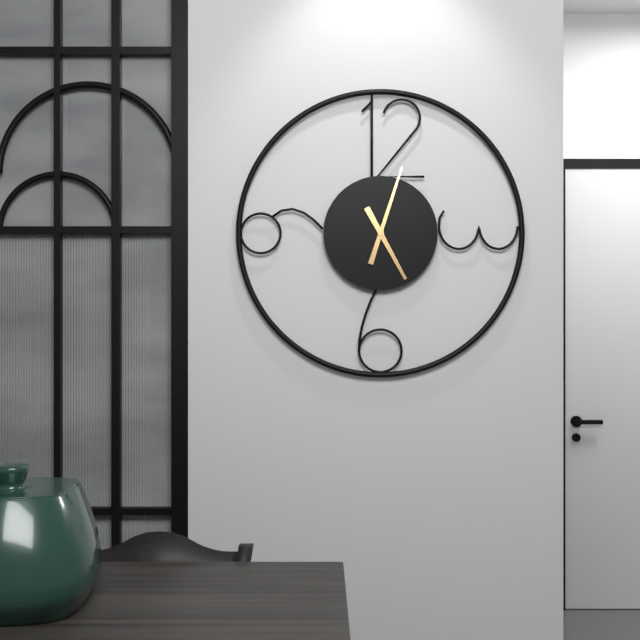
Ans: 5:03
